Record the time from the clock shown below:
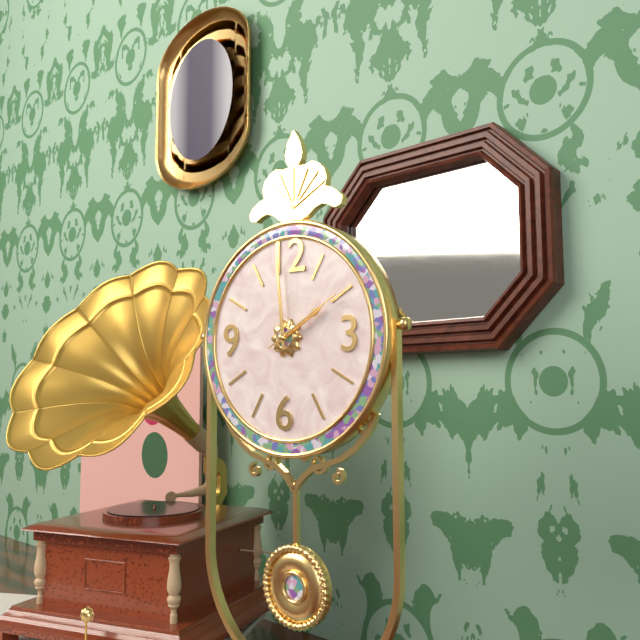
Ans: 1:59:10
